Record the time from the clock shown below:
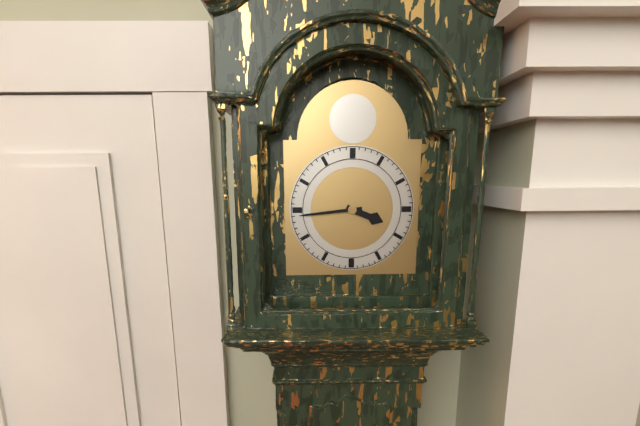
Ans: 3:44
